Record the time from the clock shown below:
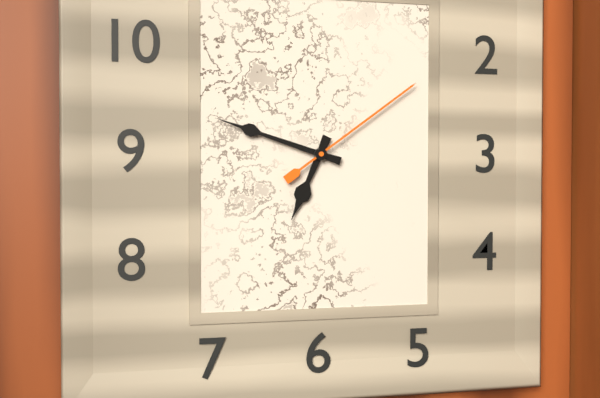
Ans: 6:48:09
